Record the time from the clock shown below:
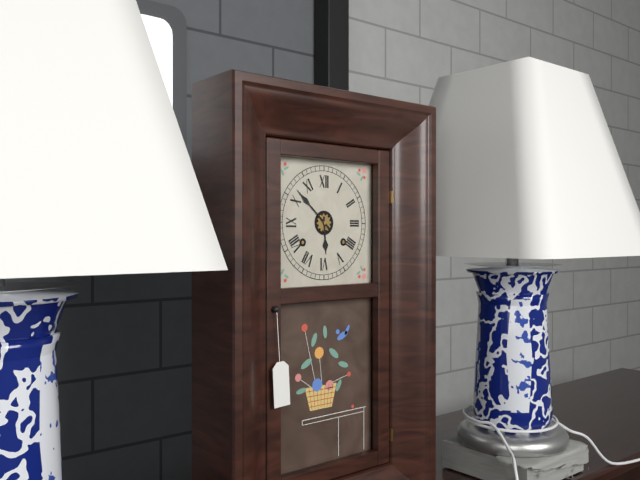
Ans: 5:52
